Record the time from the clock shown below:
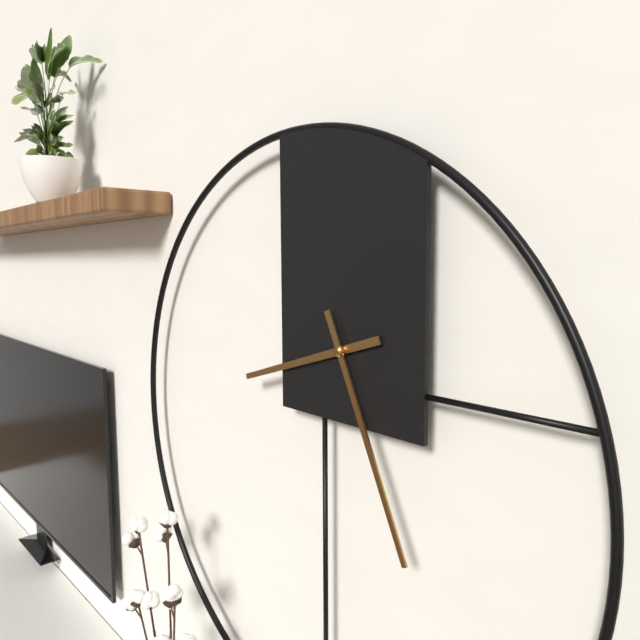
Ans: 8:26
